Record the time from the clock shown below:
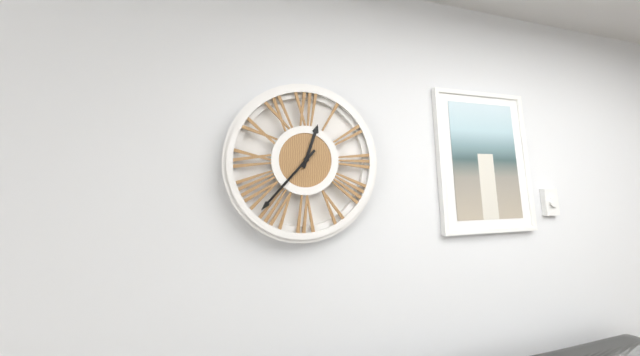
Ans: 12:37
